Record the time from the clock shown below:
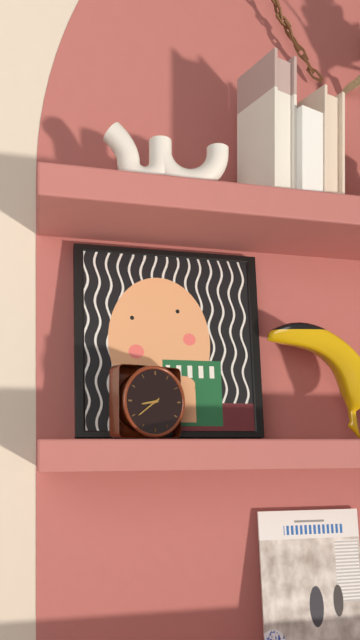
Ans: 8:39
